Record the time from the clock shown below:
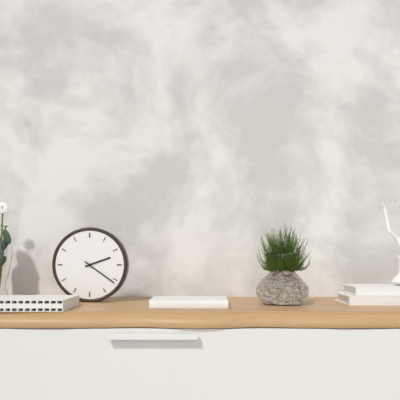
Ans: 2:21
